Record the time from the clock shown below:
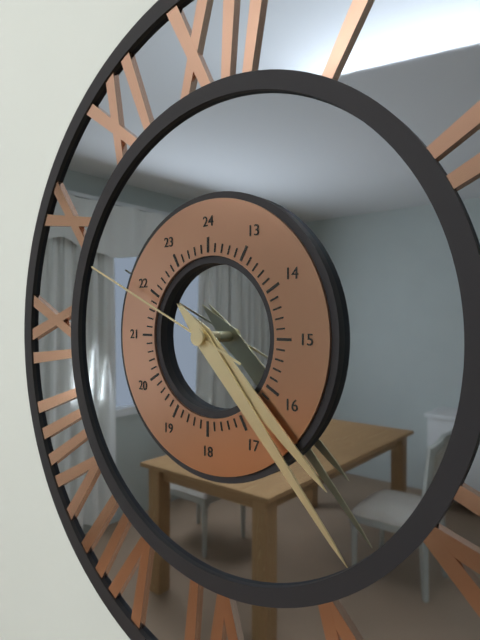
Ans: 4:23:49
